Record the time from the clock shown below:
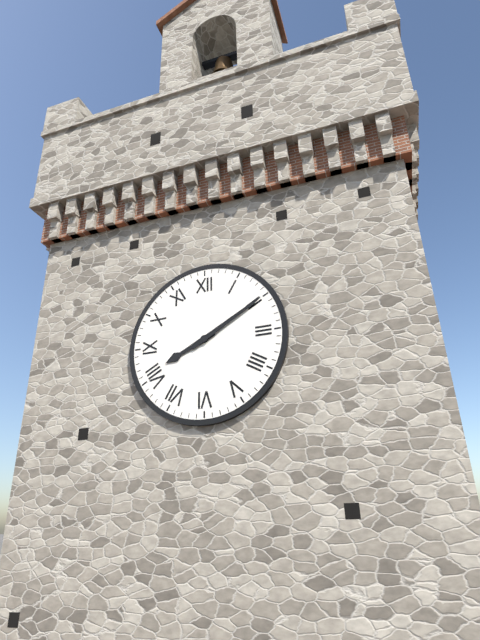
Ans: 8:10
